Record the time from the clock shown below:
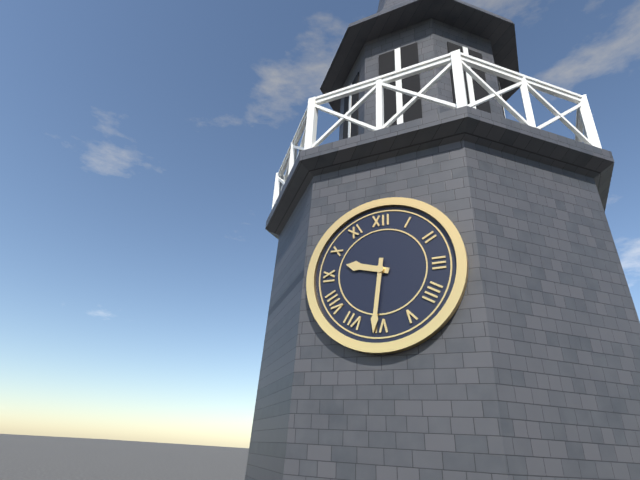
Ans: 9:31
